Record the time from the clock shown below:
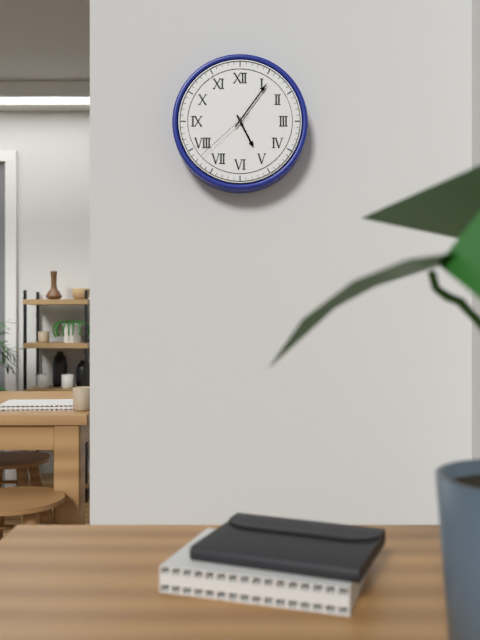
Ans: 5:06:38
